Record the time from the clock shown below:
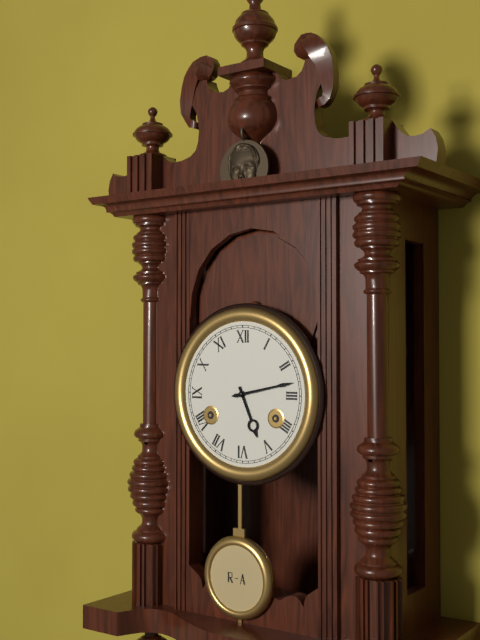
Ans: 5:13
